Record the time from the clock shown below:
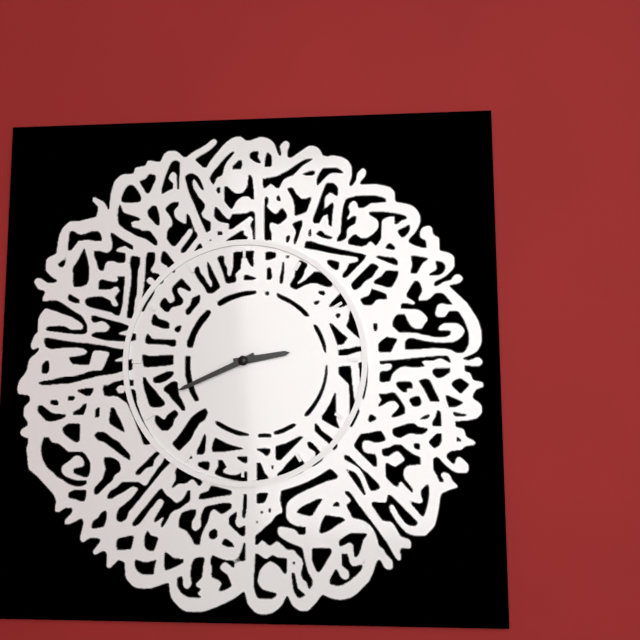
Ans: 2:41
